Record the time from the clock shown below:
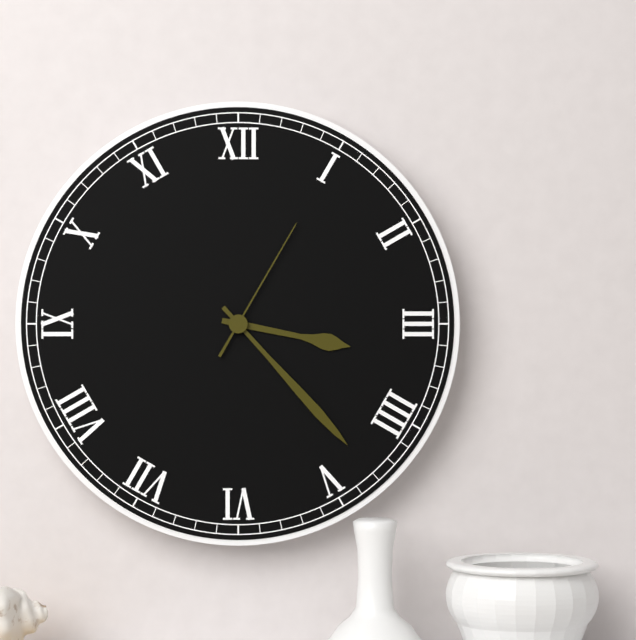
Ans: 3:23:05
